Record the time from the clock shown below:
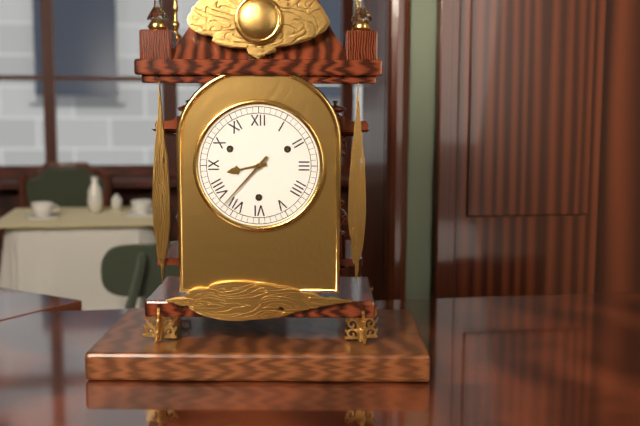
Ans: 8:37
